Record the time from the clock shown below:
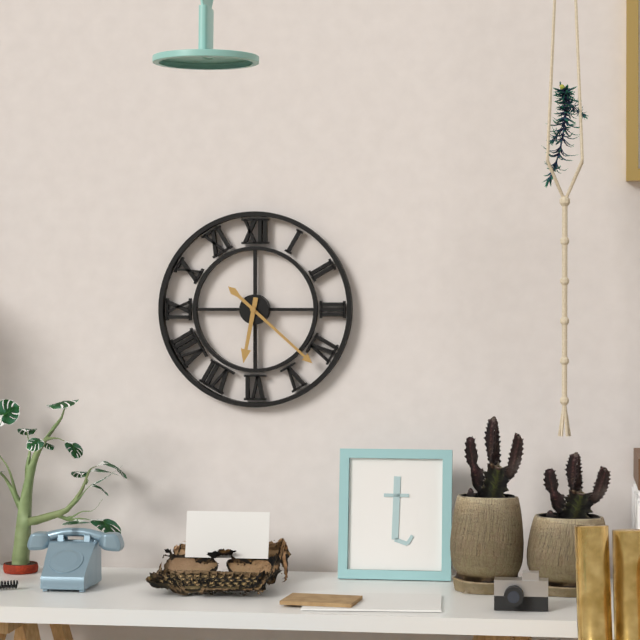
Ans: 6:22
